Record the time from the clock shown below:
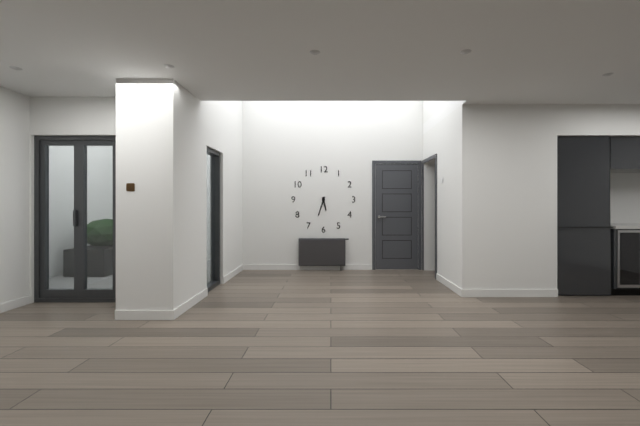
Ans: 5:33
